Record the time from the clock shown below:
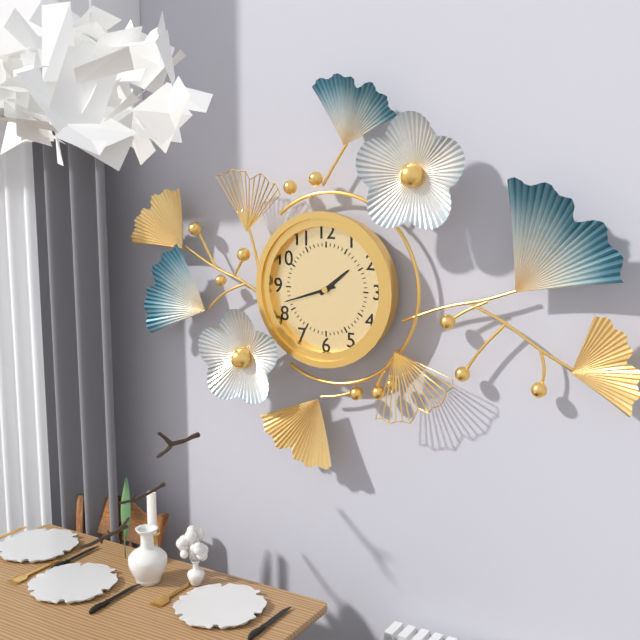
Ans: 1:42
